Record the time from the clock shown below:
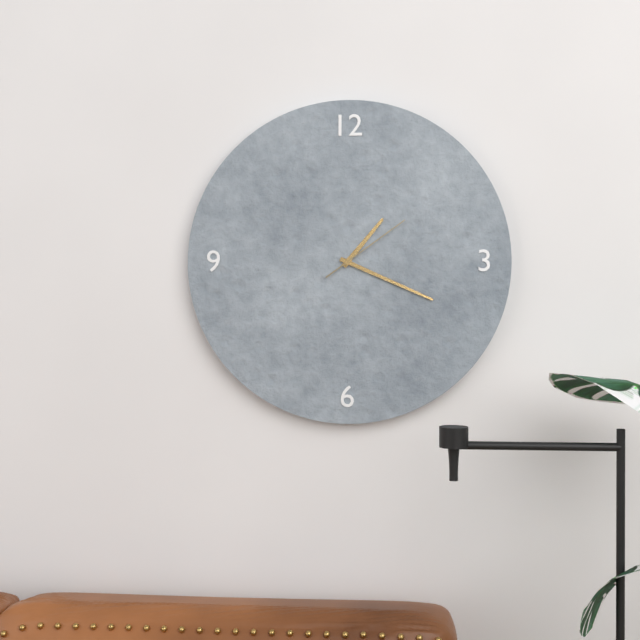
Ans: 1:19:09
